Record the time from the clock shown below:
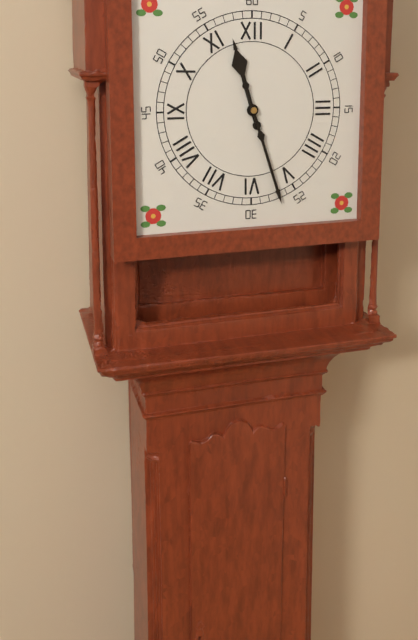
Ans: 11:27
